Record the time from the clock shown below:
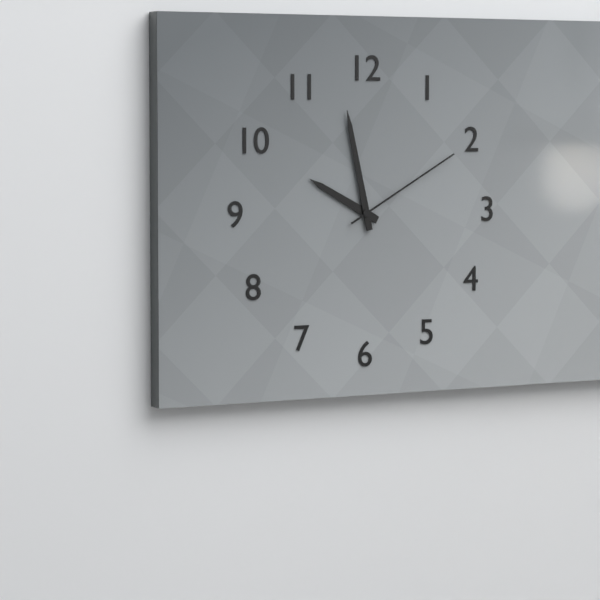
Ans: 9:58:10
